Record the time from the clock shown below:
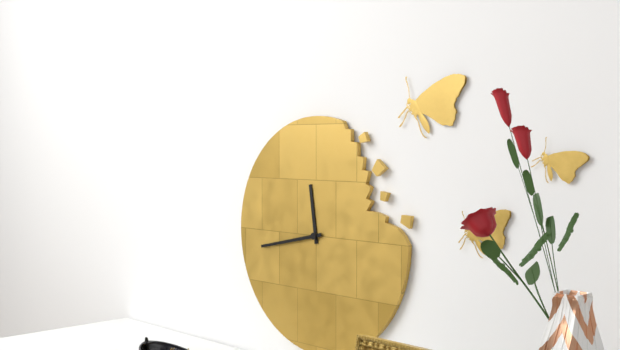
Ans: 11:43
